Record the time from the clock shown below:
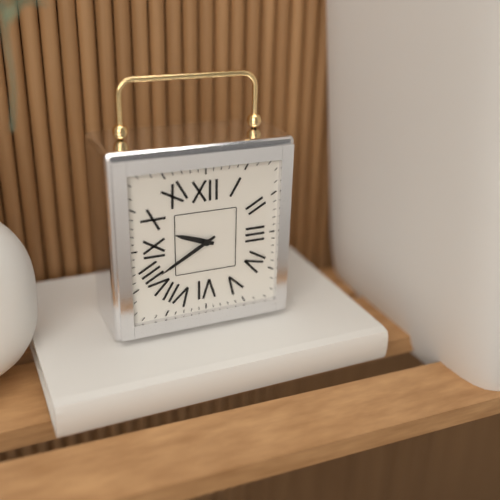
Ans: 9:40
